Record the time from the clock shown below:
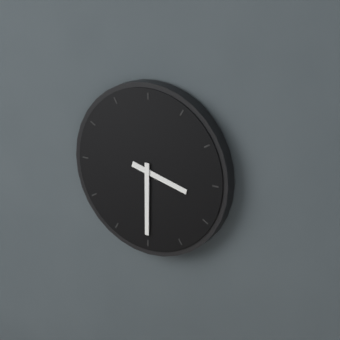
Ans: 3:30
